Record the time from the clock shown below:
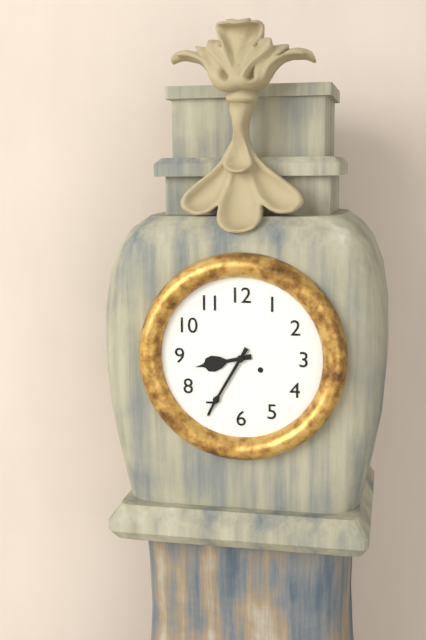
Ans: 8:35
